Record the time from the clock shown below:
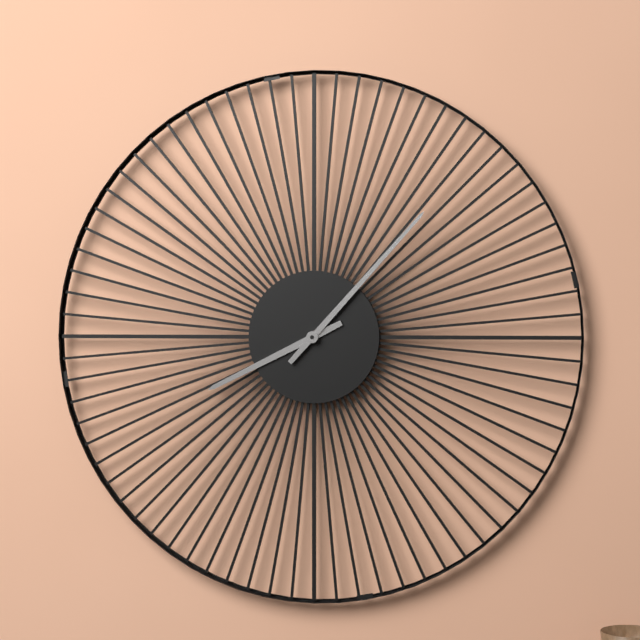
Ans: 8:07
